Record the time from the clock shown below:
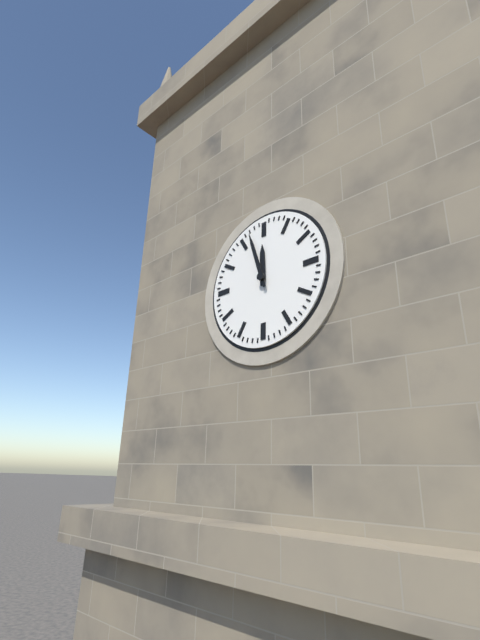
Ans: 11:57
